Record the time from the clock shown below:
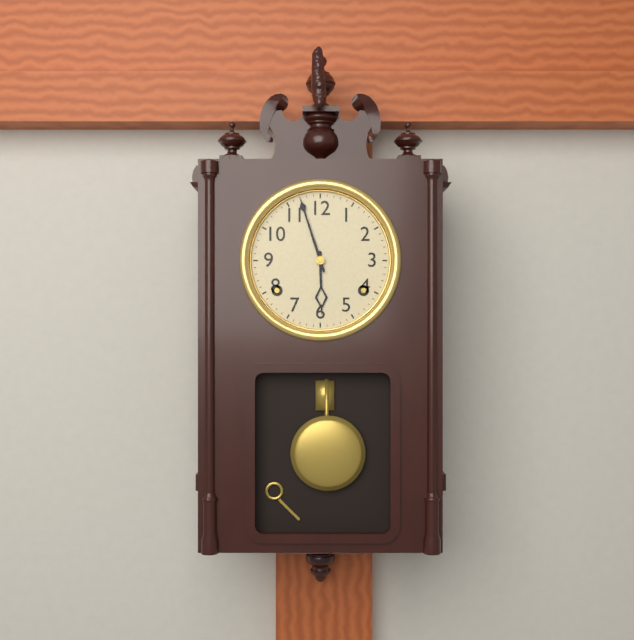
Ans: 5:57
